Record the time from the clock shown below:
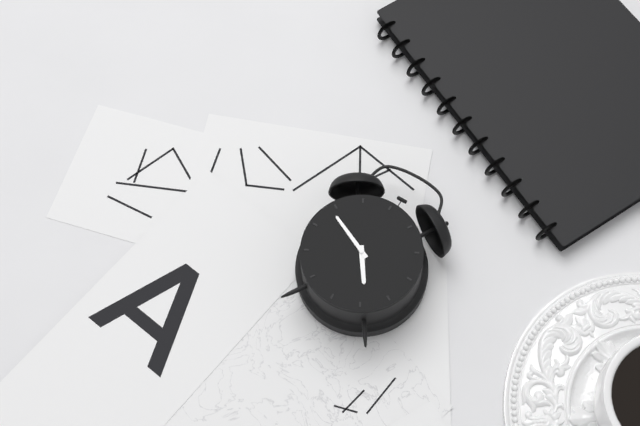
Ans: 4:49
